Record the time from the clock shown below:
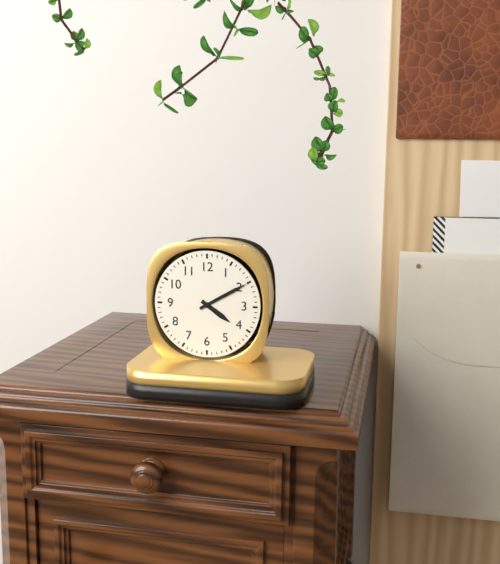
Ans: 4:10
